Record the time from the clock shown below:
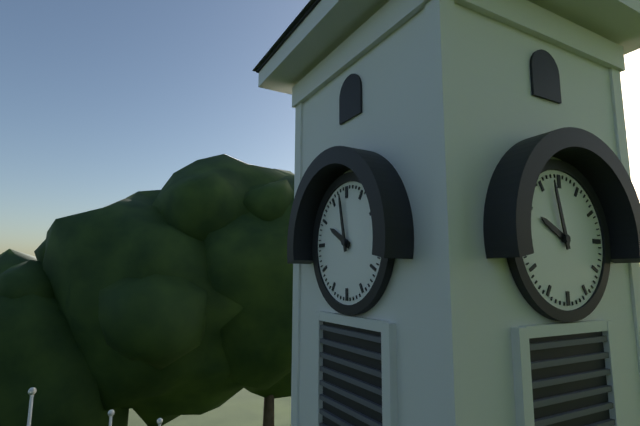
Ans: 9:58
